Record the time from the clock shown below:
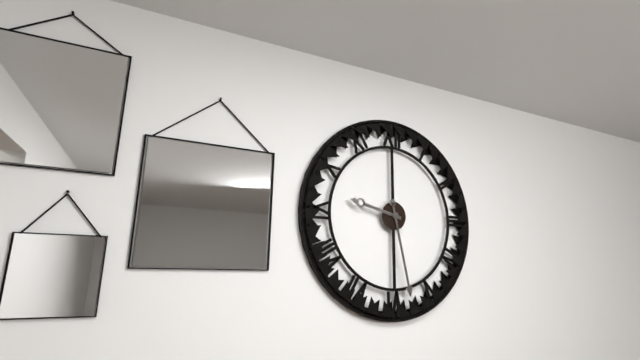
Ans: 9:28
